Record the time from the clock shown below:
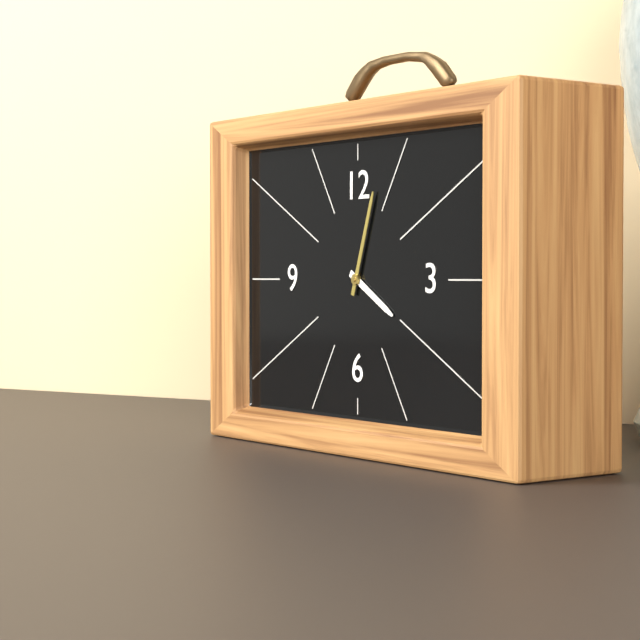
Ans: 4:03
